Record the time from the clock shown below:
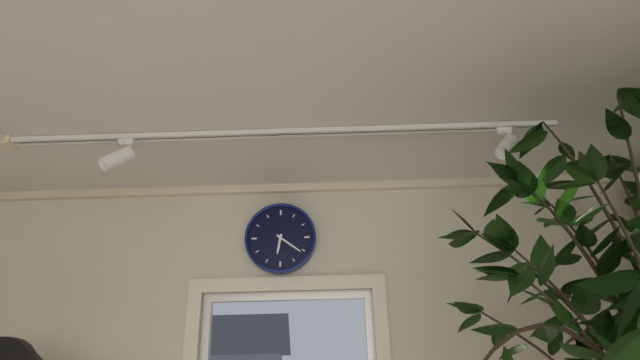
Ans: 6:21
